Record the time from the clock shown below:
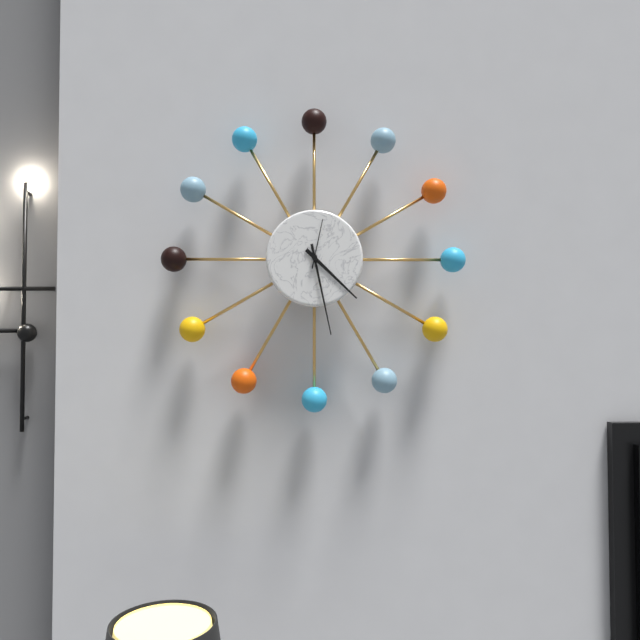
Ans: 4:28:02
